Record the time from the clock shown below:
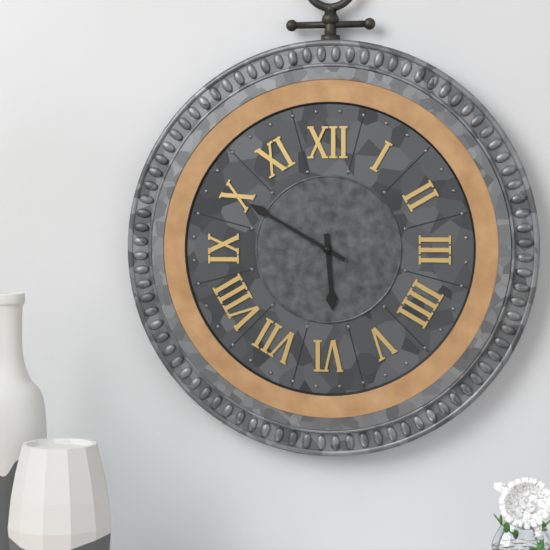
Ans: 5:50
